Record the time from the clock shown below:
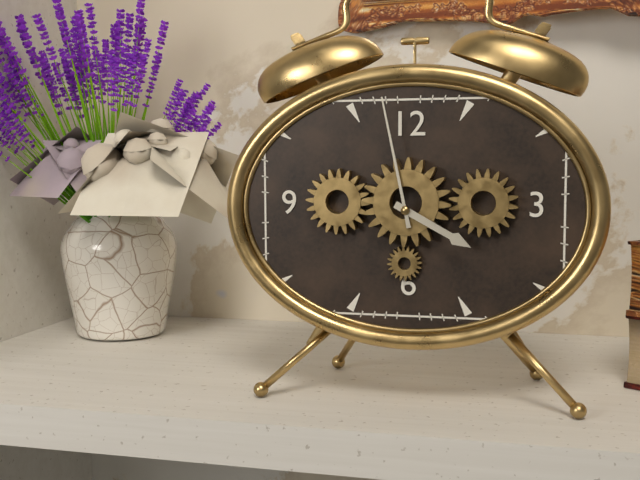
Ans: 3:58
